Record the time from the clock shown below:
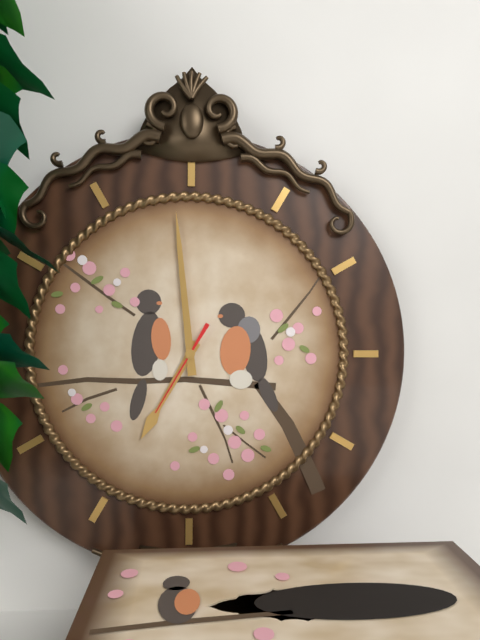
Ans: 6:59:35
